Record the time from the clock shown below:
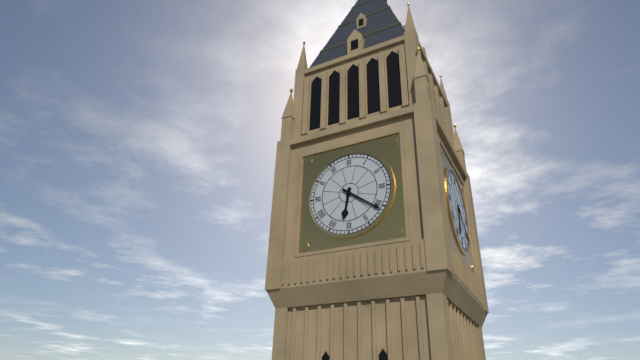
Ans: 6:21
